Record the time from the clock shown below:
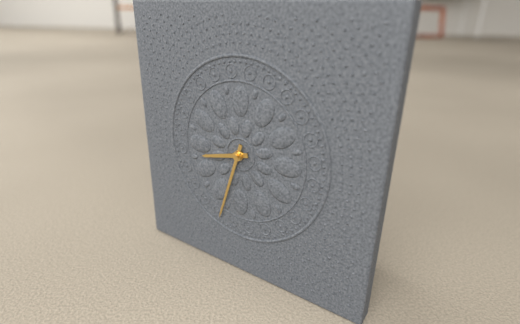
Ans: 8:33
